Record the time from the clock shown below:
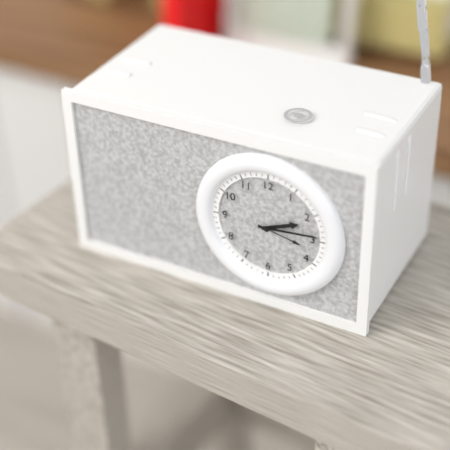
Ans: 2:14
